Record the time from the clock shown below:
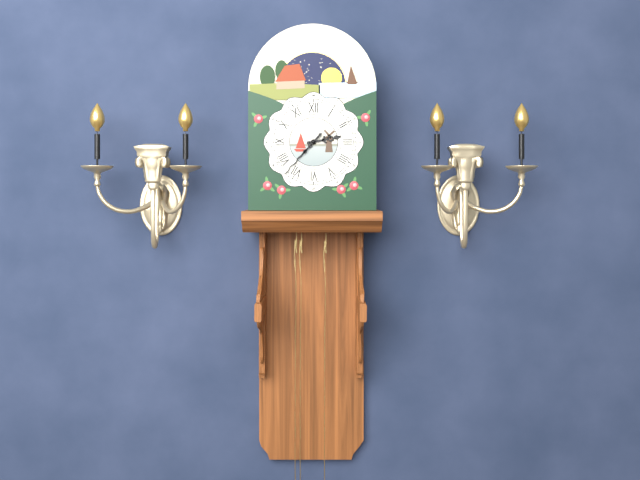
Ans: 2:37
